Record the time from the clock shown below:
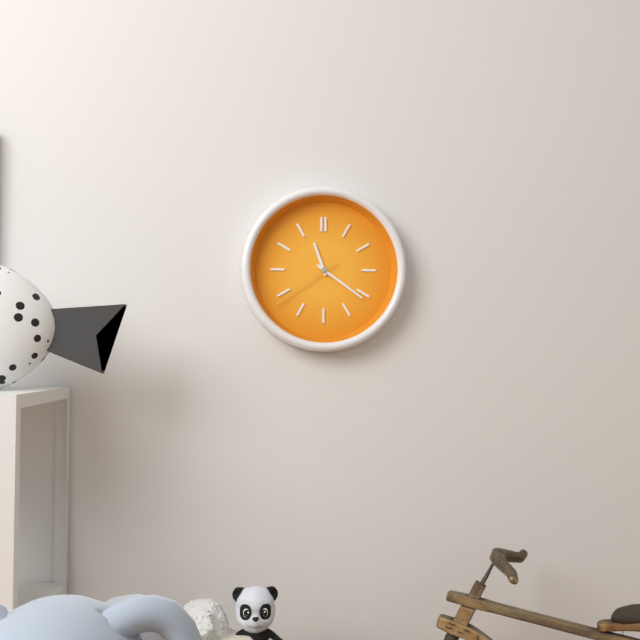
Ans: 11:21:39
